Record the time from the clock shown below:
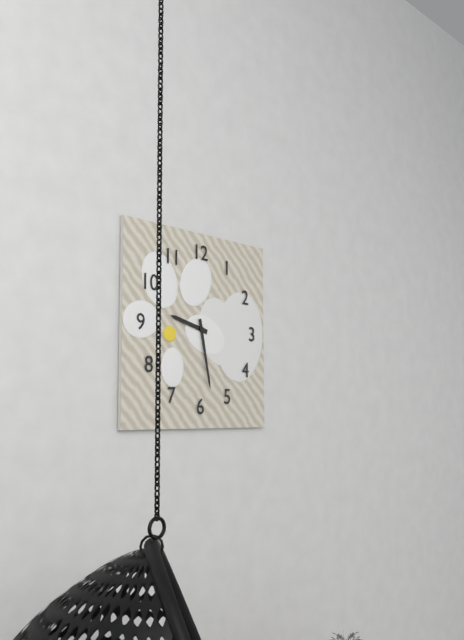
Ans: 9:28
